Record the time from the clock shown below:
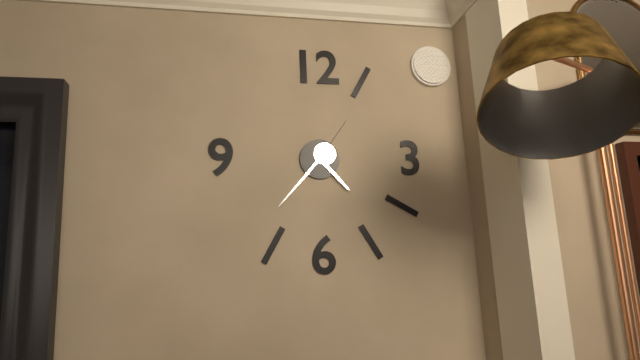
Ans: 4:37:06
